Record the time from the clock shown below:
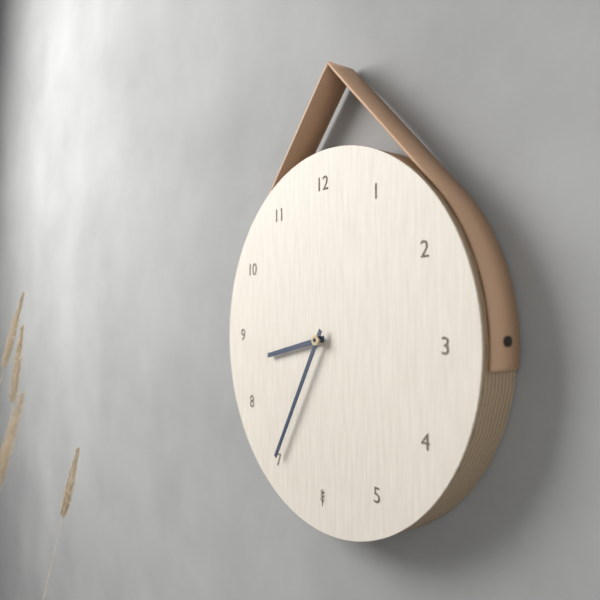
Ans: 8:35
